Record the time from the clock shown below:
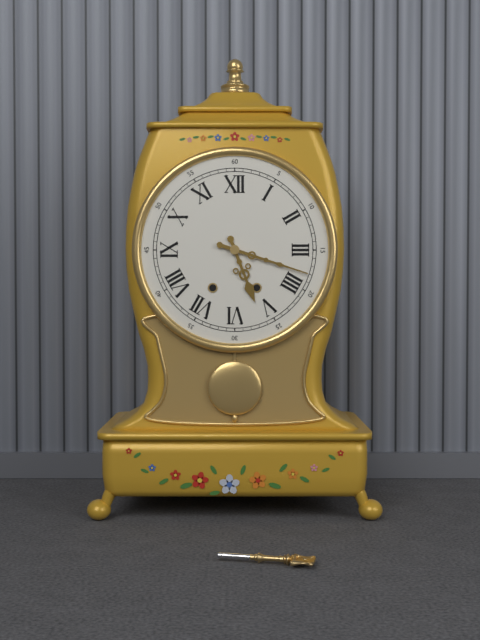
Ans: 5:18
